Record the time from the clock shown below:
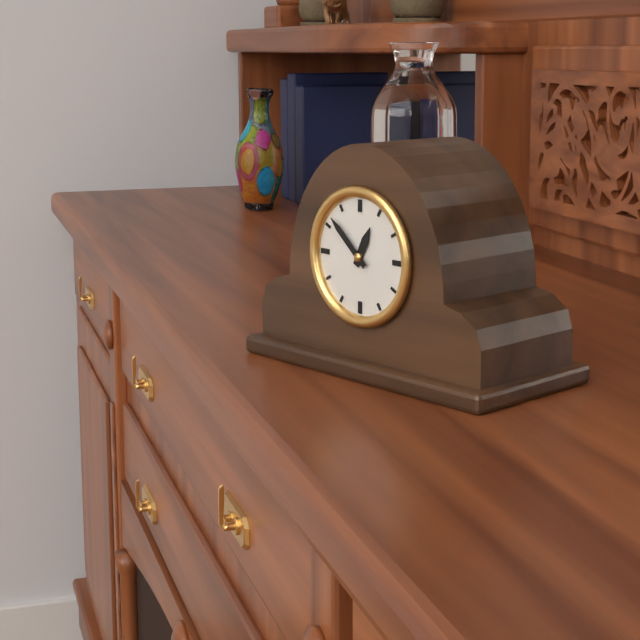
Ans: 12:52
